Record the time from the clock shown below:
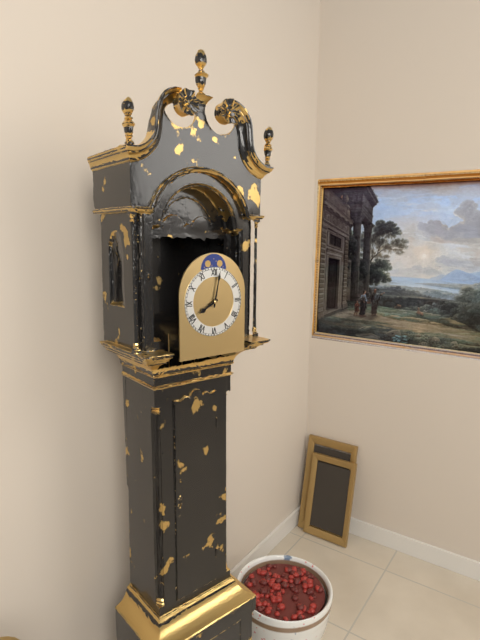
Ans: 8:02
